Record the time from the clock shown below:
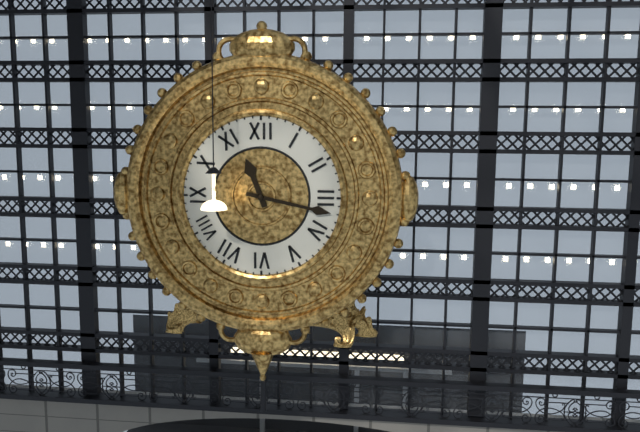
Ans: 11:17
